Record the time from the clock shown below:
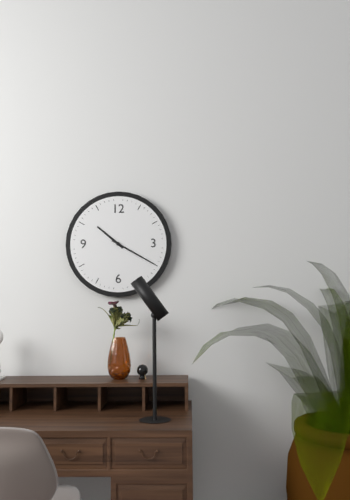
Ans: 10:20
